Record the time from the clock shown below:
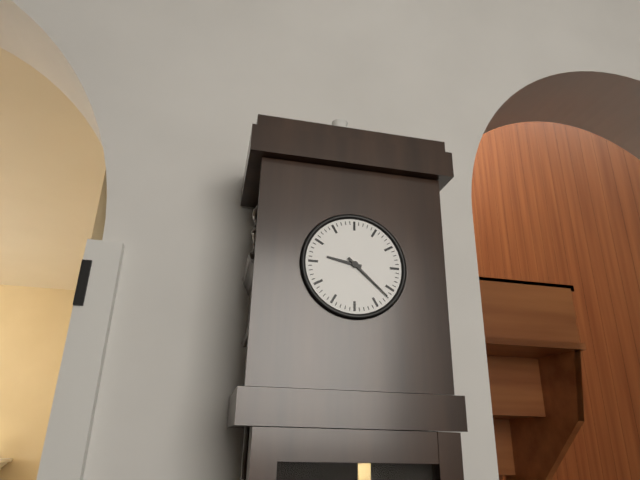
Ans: 9:22
